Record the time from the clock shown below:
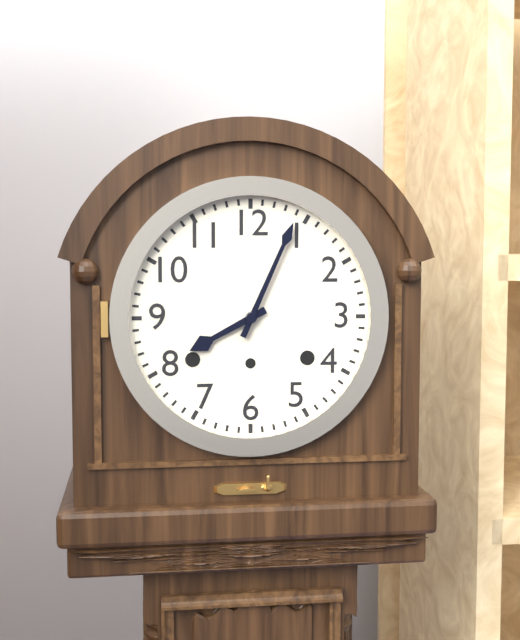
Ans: 8:04
